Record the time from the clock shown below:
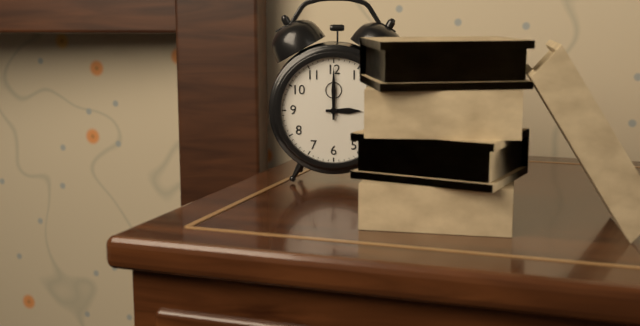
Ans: 3:00
